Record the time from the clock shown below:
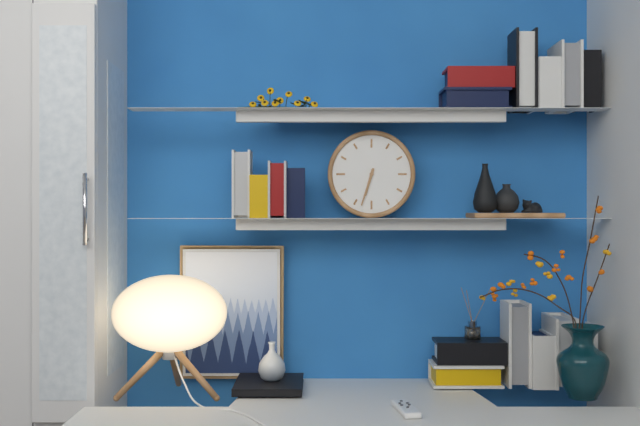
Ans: 6:33
